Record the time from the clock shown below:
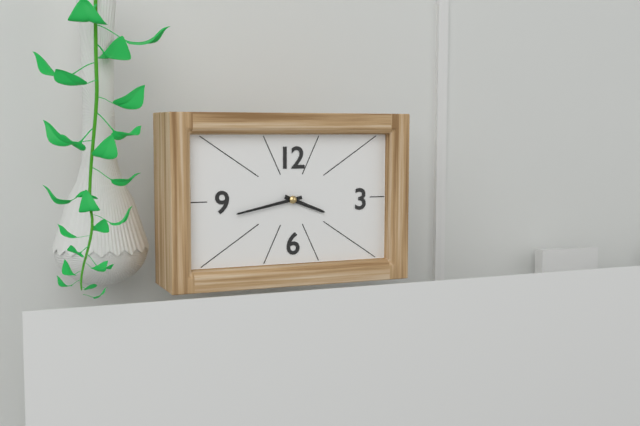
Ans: 3:43
